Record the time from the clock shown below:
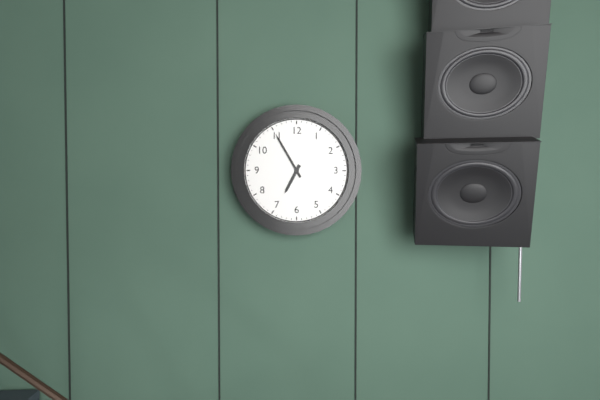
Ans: 6:55
